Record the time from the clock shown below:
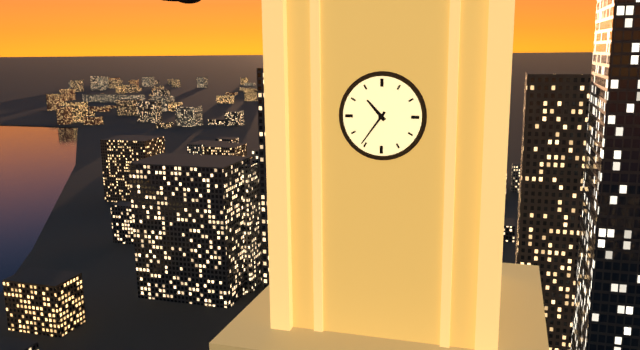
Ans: 10:36
